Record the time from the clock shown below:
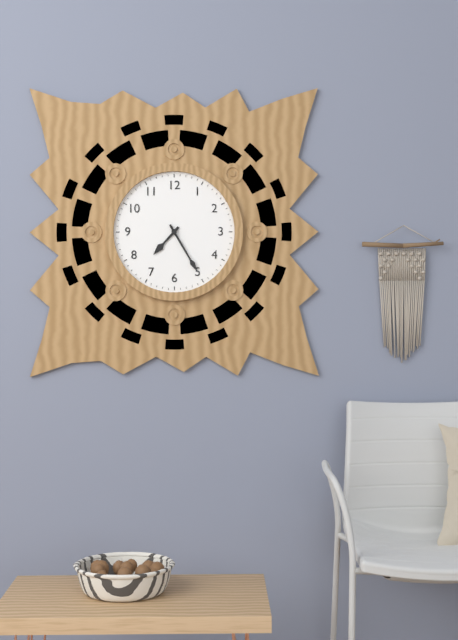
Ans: 7:25
